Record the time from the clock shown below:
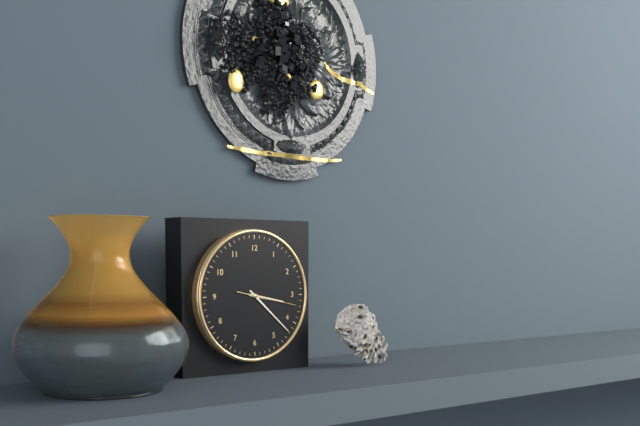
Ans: 3:22:17
